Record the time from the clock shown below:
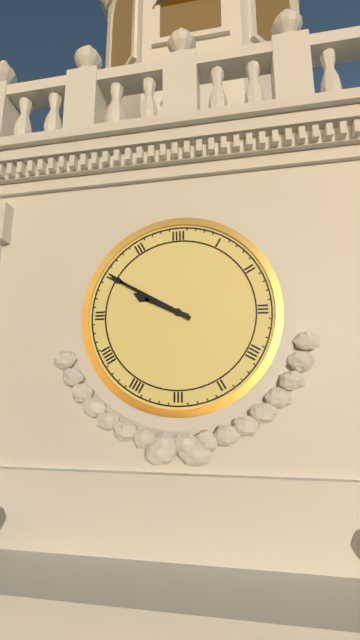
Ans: 9:50
